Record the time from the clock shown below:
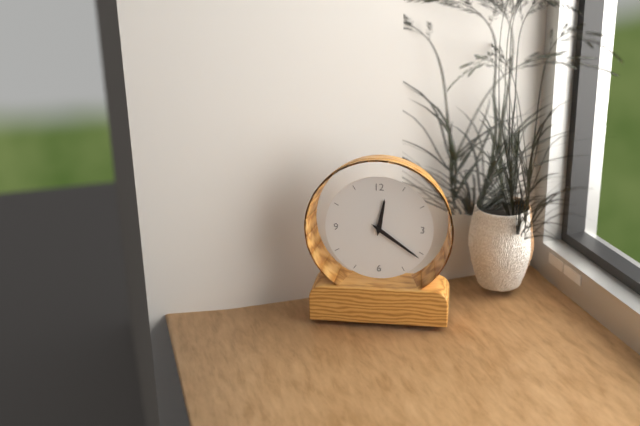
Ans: 12:21
